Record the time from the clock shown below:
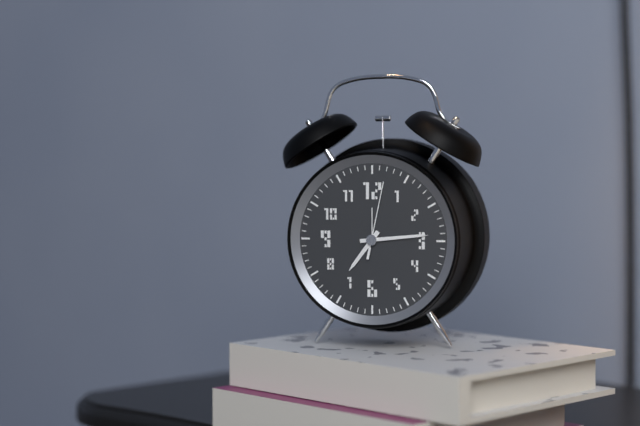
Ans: 7:14:02
